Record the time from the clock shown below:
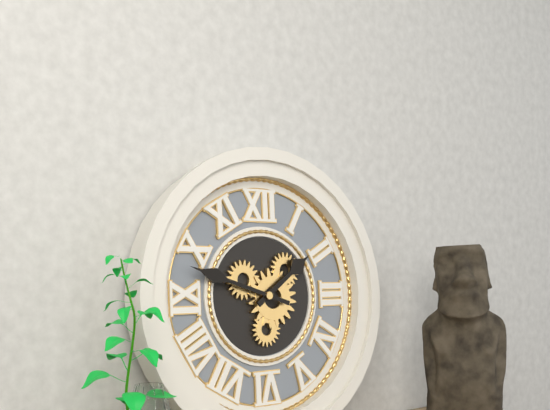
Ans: 1:48
